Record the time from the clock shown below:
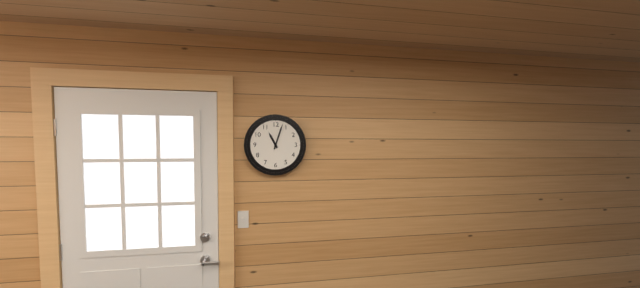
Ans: 11:03
